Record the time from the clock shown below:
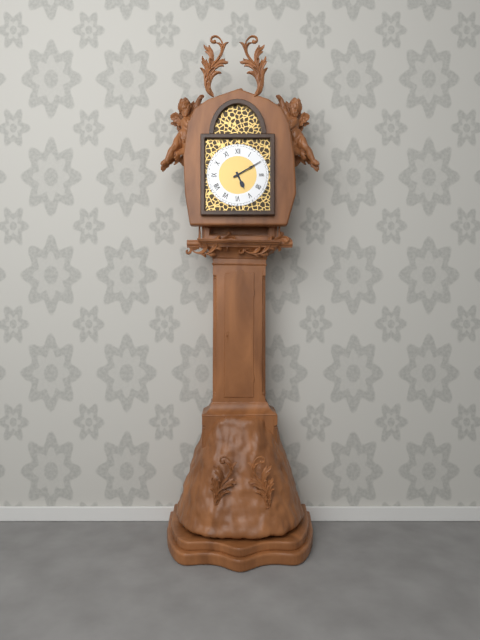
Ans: 5:10
